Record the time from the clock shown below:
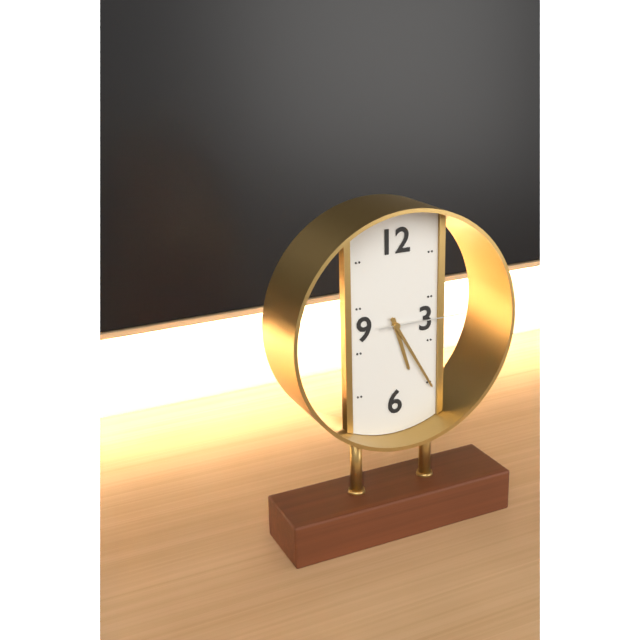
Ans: 5:25:15
